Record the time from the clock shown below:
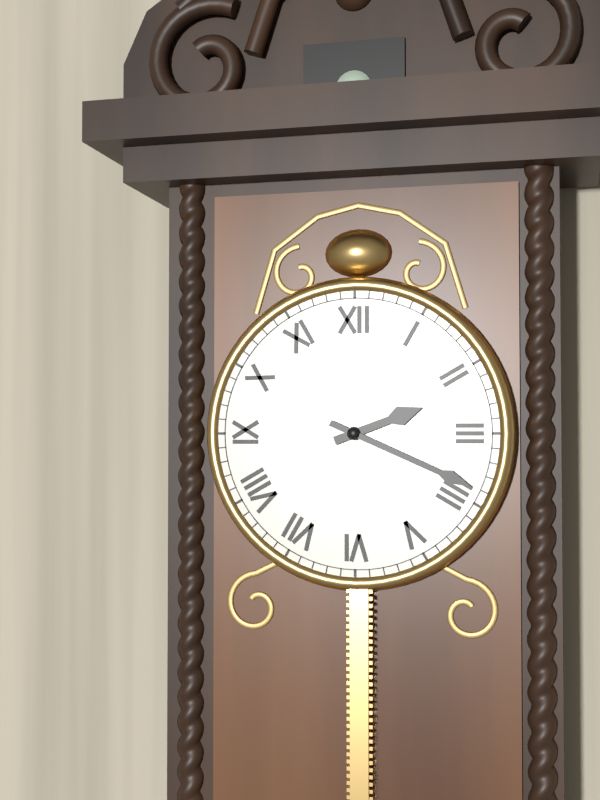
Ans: 2:19
